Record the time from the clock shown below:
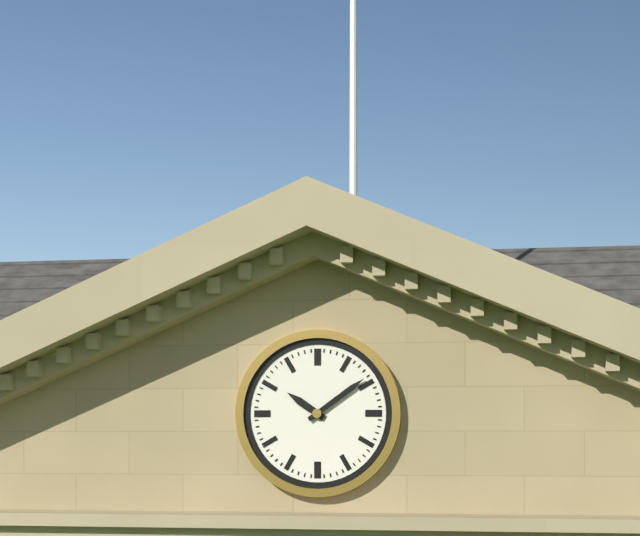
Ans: 10:09
